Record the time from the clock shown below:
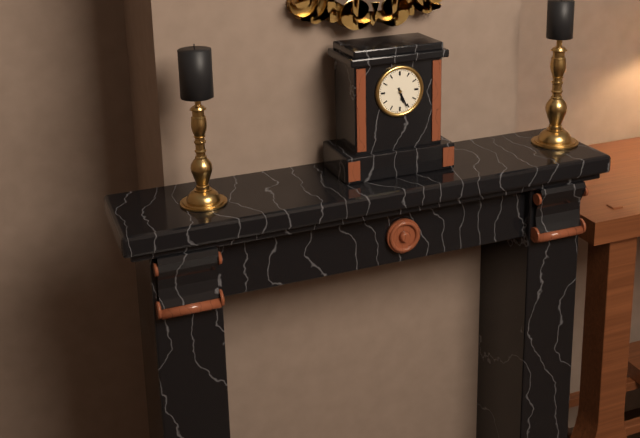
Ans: 5:26
